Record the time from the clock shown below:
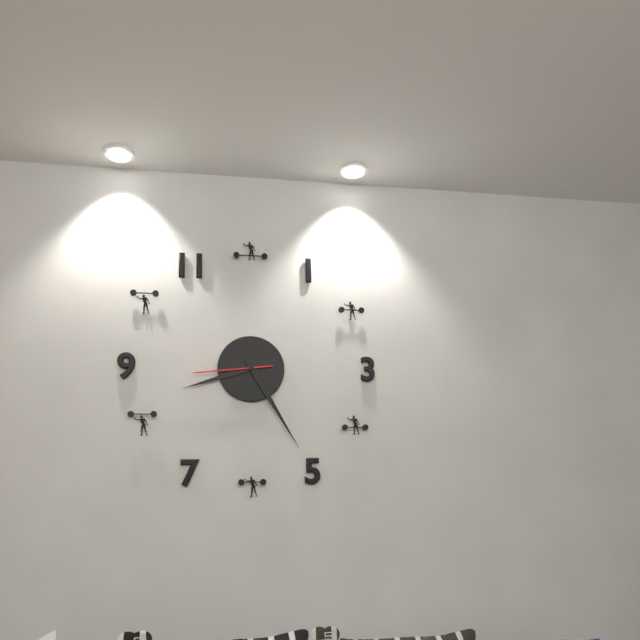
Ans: 8:25:44
